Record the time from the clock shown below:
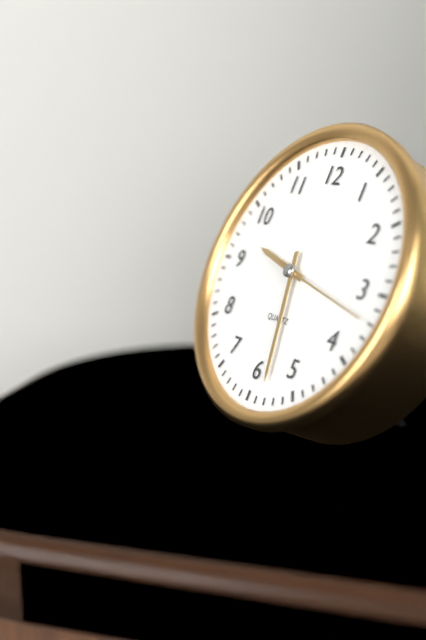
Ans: 9:28:17
